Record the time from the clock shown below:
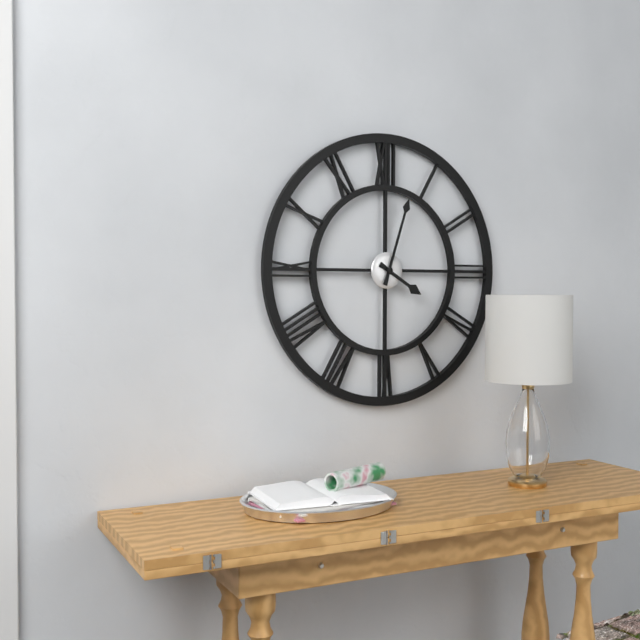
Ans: 4:03
